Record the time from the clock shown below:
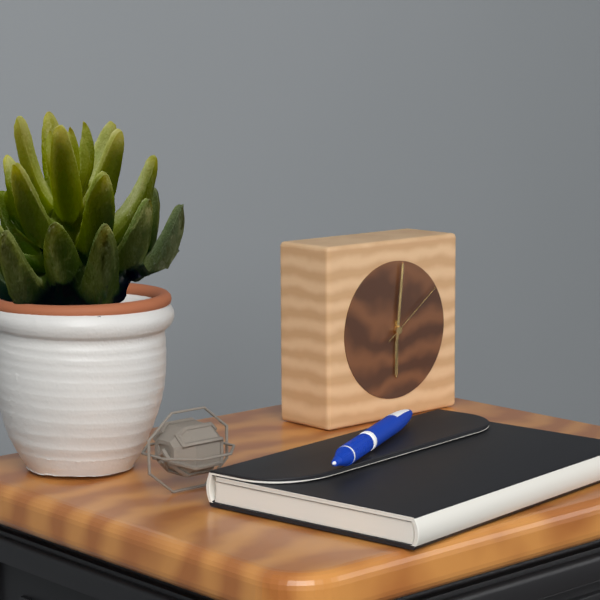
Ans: 6:01:09
